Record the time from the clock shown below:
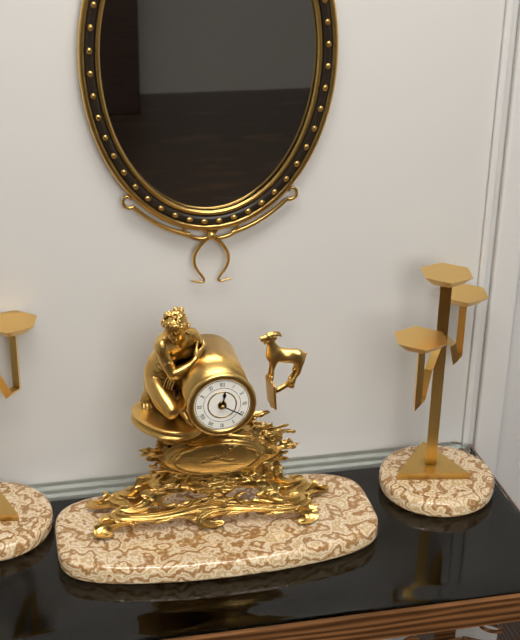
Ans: 12:20
